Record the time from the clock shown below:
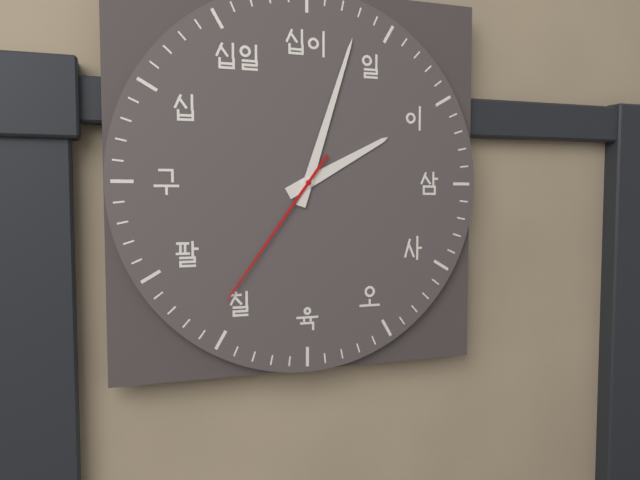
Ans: 2:03:36
